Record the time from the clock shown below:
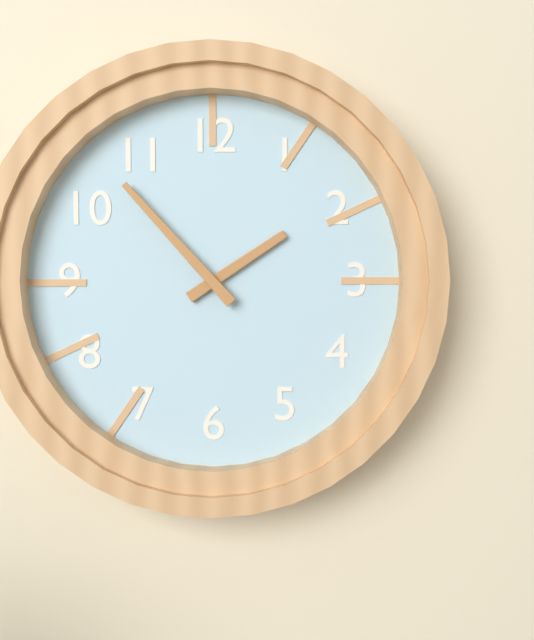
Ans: 1:53
